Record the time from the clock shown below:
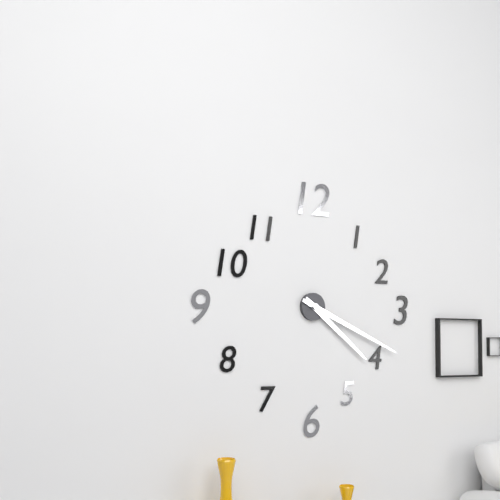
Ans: 4:19
